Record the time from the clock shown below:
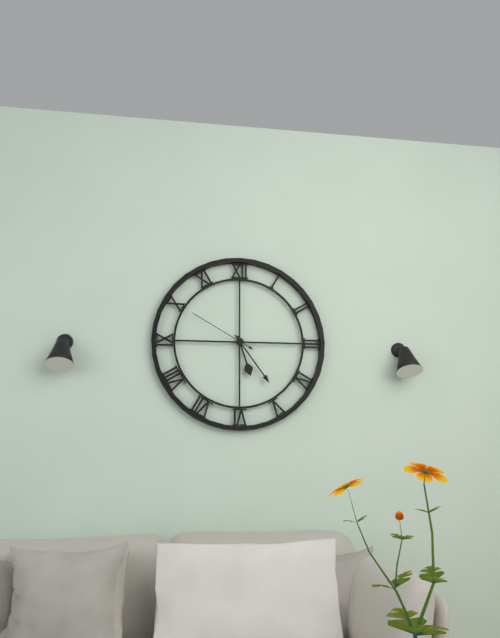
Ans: 5:24:50
